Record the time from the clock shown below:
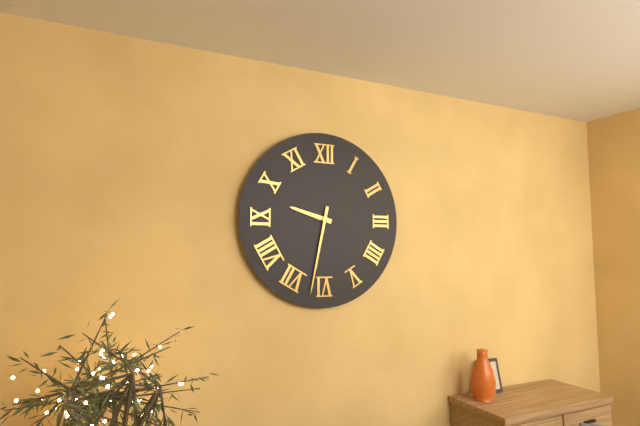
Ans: 9:32
